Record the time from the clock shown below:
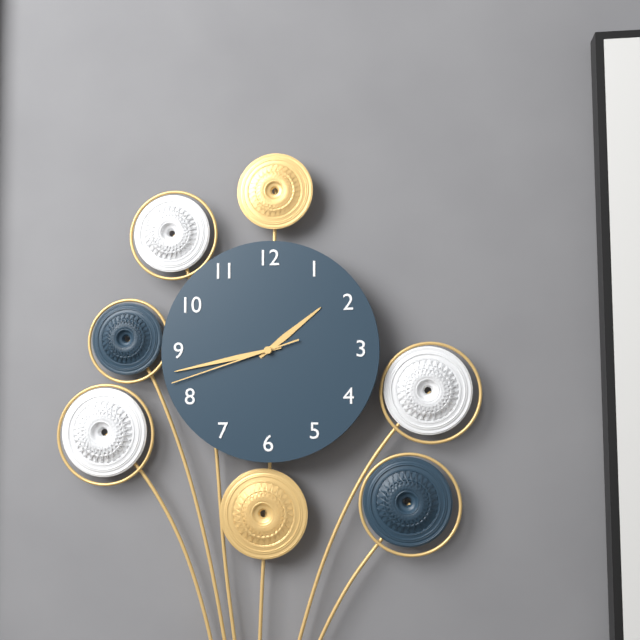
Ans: 1:43:42
